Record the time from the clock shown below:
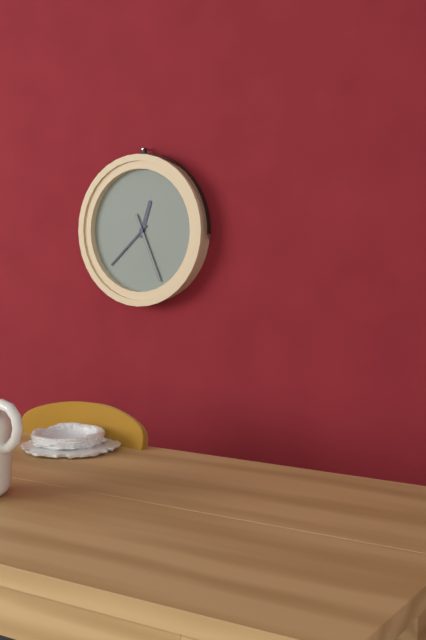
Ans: 12:38:26
